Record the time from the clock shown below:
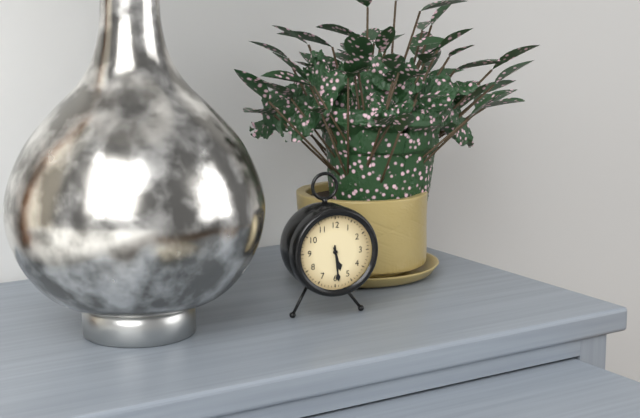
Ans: 5:29
